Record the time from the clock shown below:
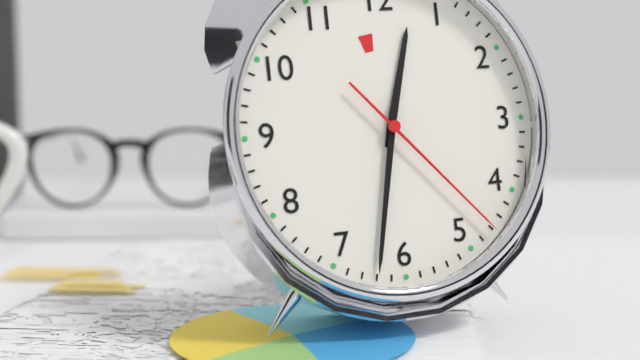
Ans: 12:32:23
